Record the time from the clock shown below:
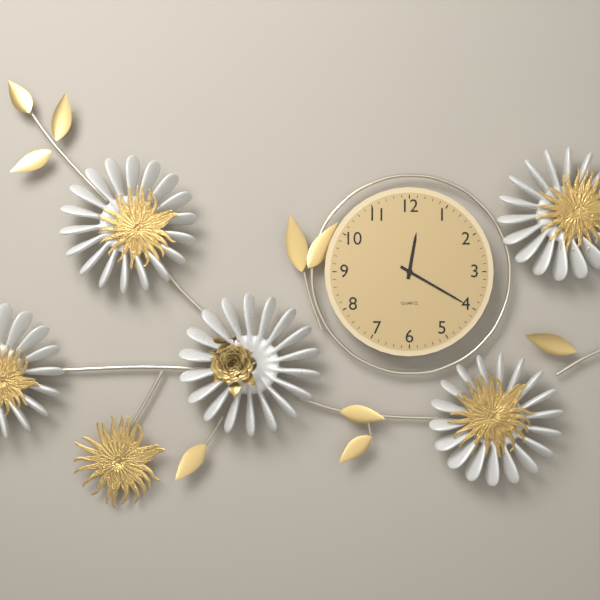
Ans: 12:20
